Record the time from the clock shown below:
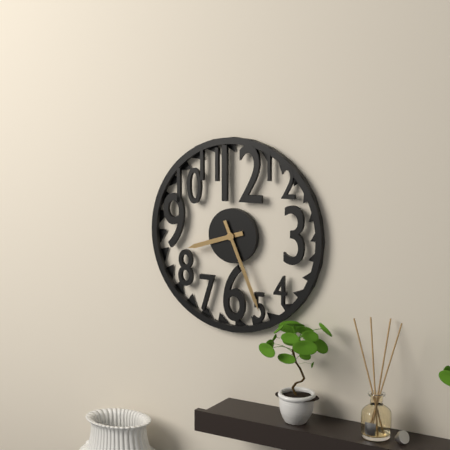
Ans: 8:26
